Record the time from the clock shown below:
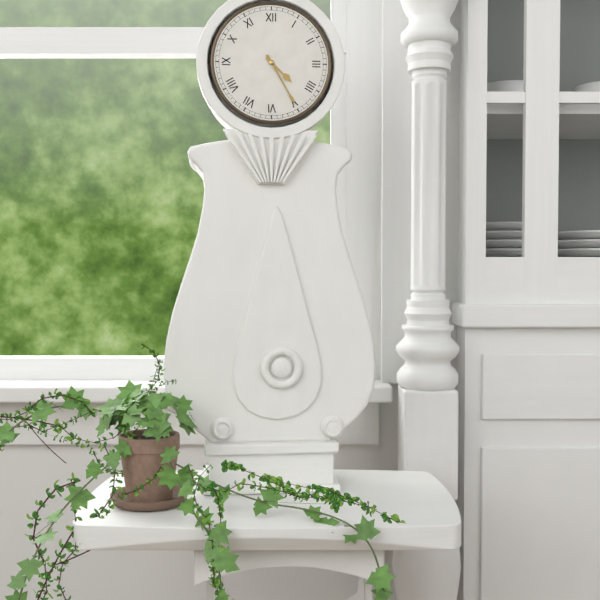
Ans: 4:25
